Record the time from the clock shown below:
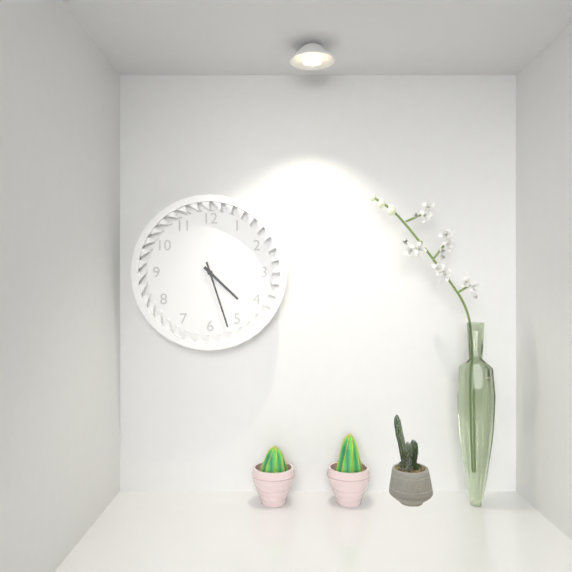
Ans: 4:27
